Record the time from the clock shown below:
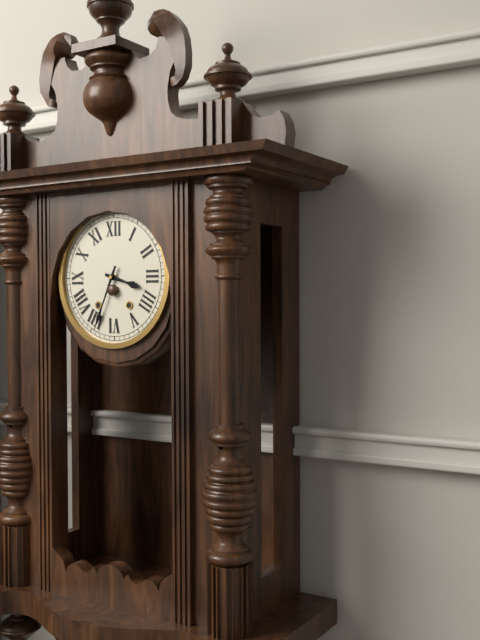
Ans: 3:34
